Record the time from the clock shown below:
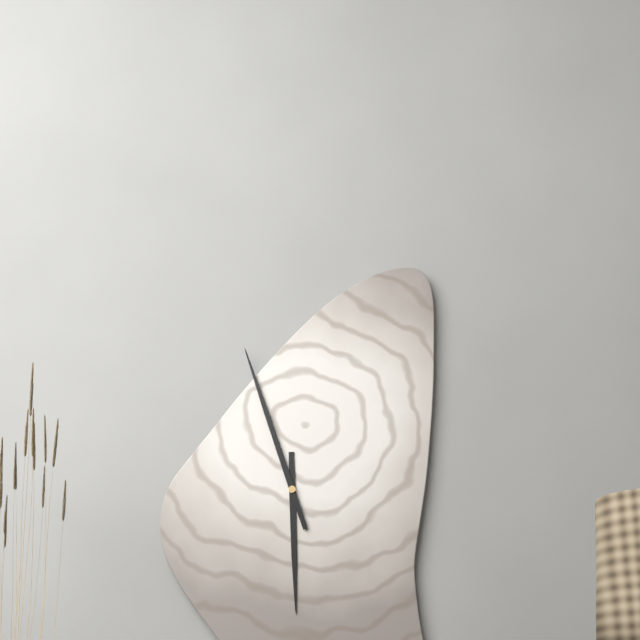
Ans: 5:57
